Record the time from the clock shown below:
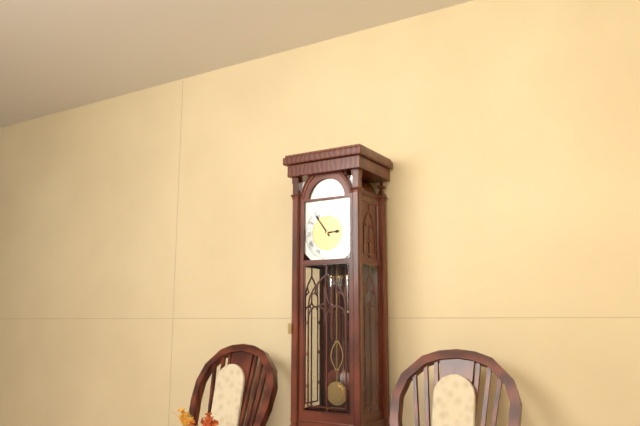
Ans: 2:54
